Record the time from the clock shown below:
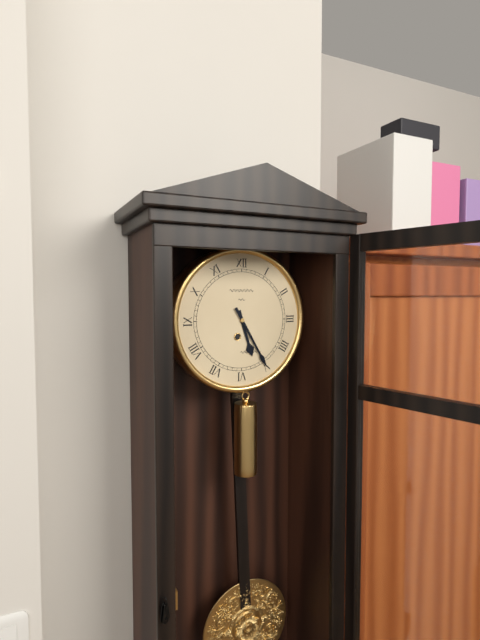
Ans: 5:25
